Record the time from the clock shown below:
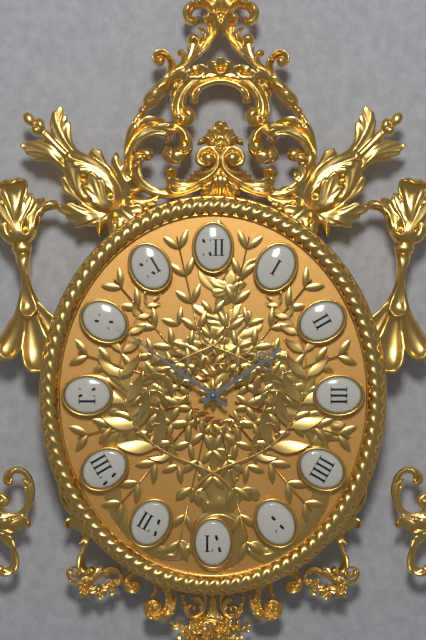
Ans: 1:51
